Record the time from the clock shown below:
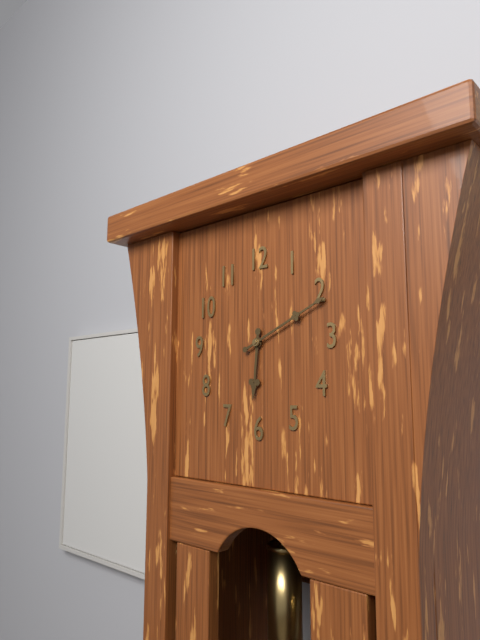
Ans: 6:11
